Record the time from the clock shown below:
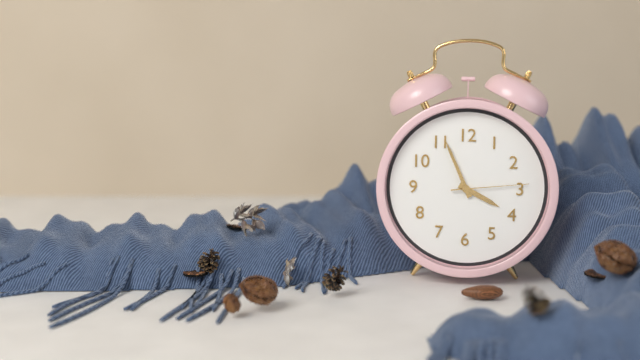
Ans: 3:56:14
